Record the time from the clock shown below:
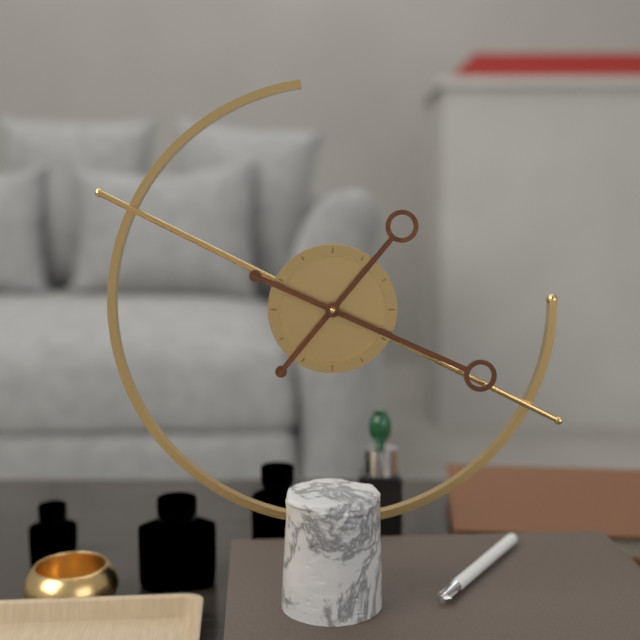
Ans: 1:19
